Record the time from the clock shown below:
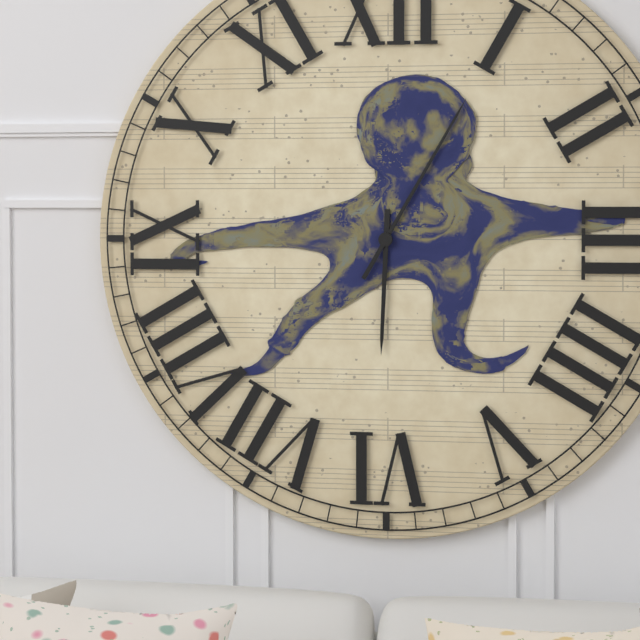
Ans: 6:05
